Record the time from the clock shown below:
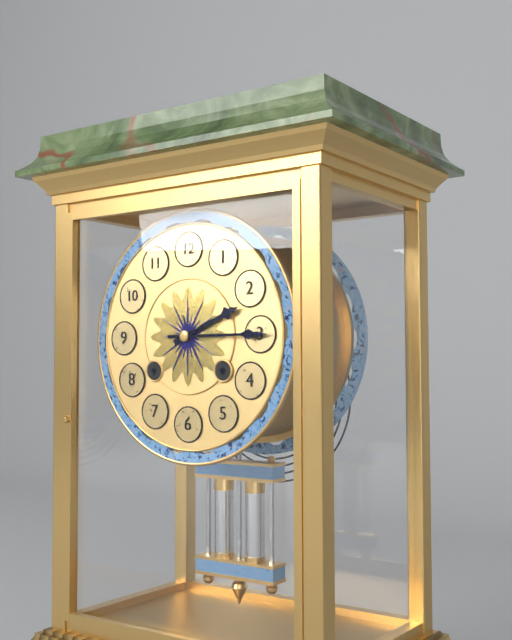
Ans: 2:15
